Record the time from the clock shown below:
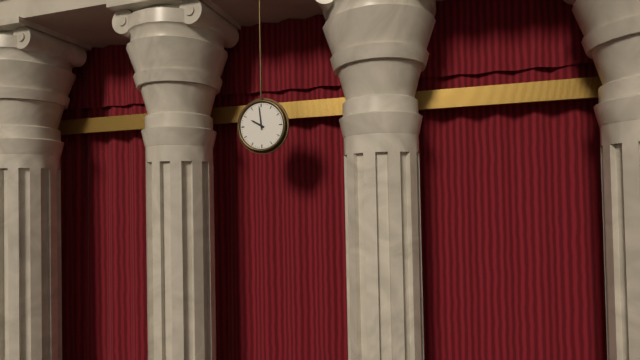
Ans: 9:59
